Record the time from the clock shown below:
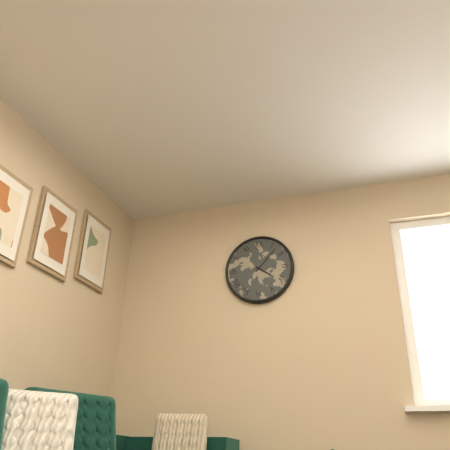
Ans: 4:07
